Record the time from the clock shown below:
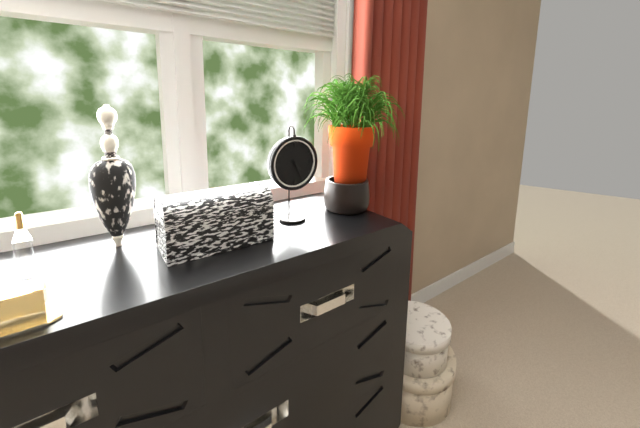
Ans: 4:26
